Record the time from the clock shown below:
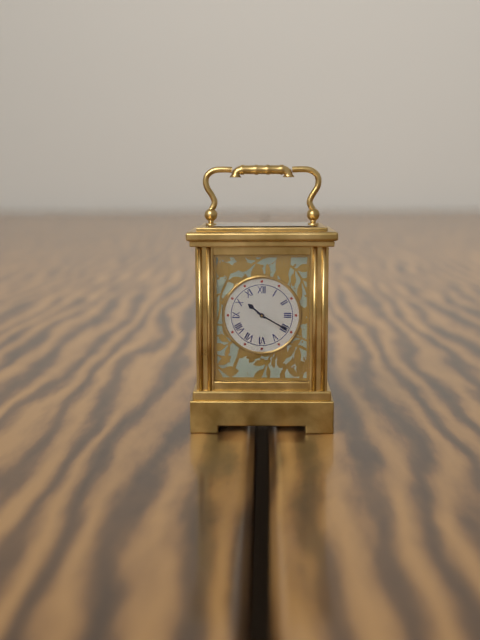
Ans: 10:20
